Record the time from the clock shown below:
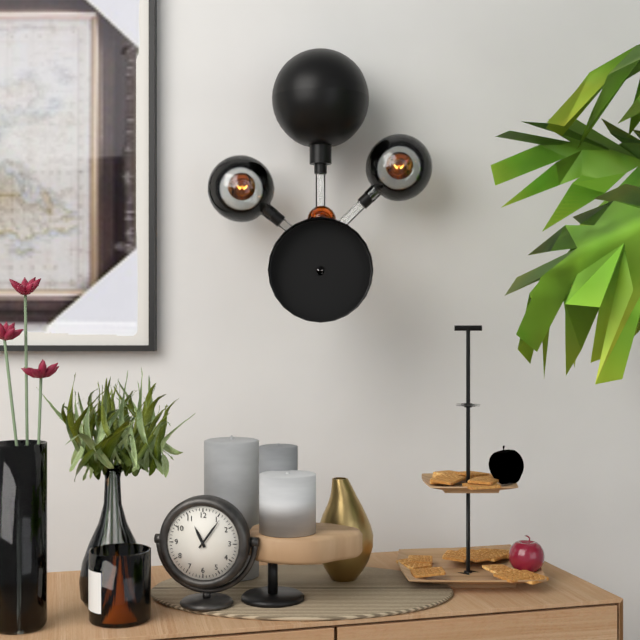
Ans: 11:06
